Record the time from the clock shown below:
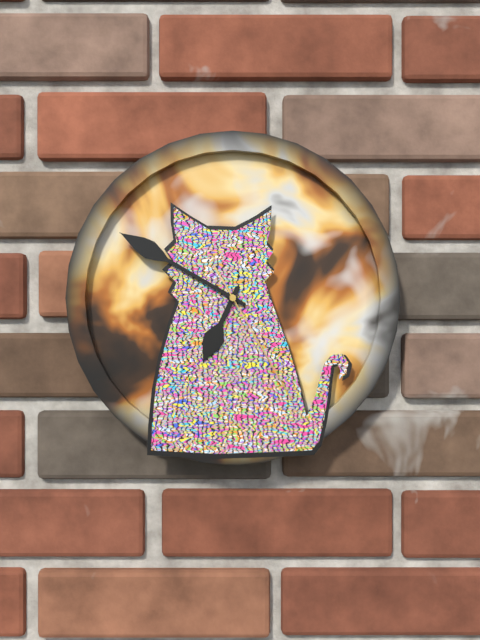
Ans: 6:50:25
